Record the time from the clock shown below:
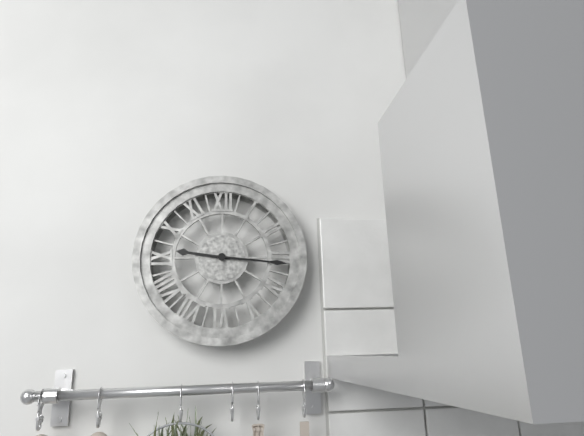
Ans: 9:16
